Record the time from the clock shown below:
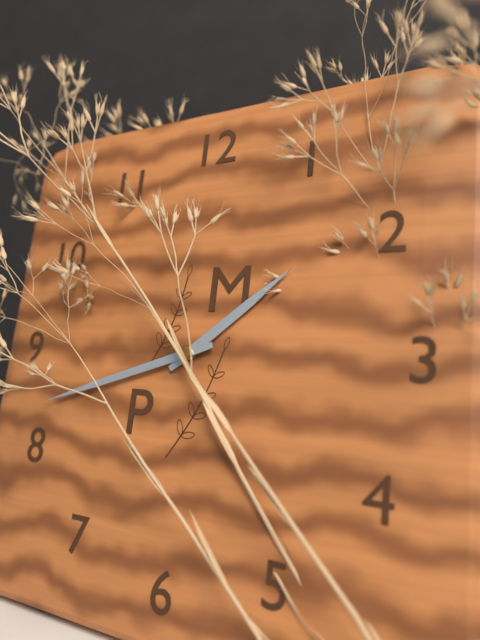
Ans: 1:42
